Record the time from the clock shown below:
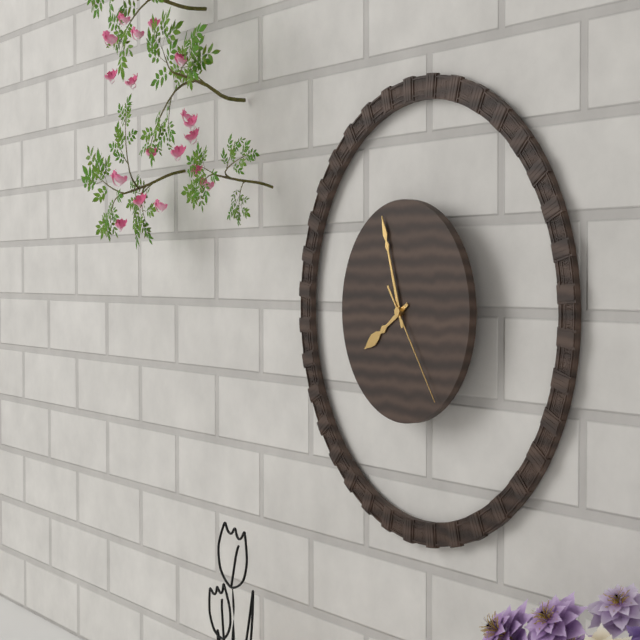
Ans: 7:57:24
